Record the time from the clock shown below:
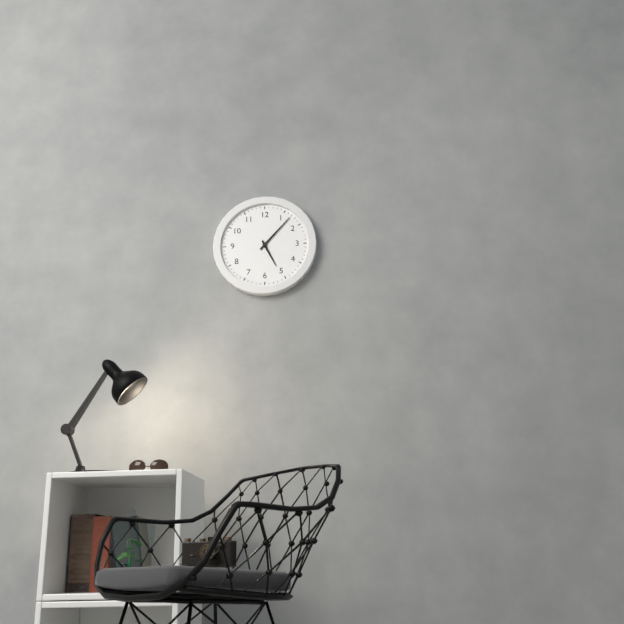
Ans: 5:07
